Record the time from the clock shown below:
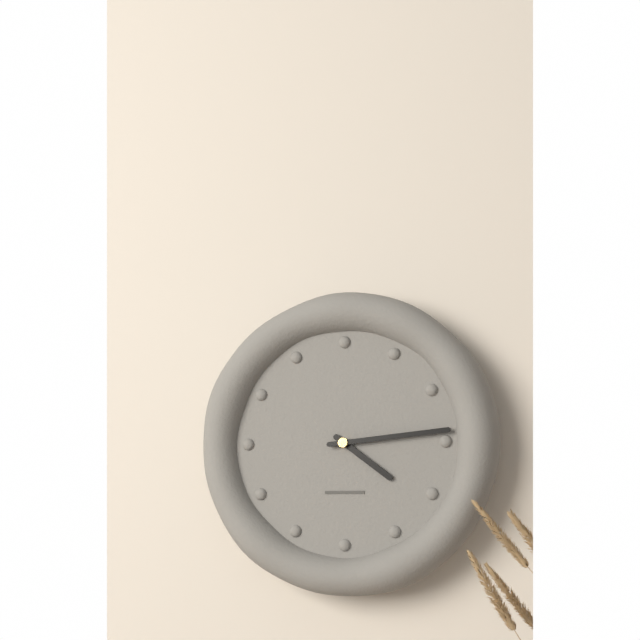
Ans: 4:14
